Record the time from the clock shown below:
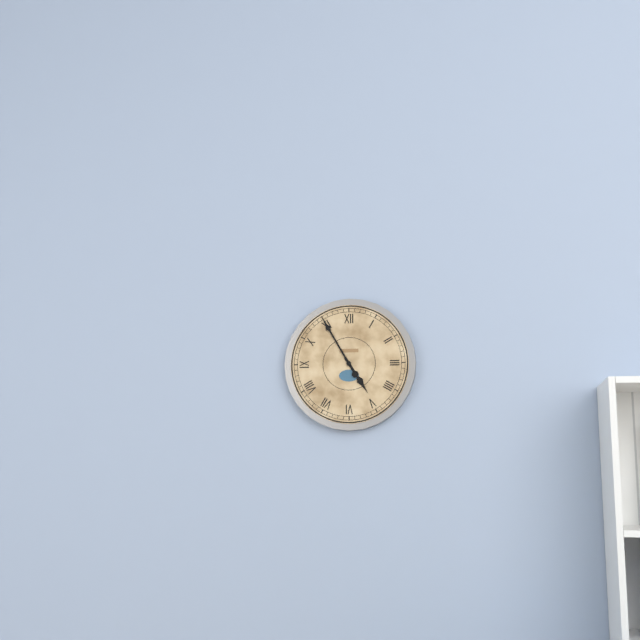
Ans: 4:55
